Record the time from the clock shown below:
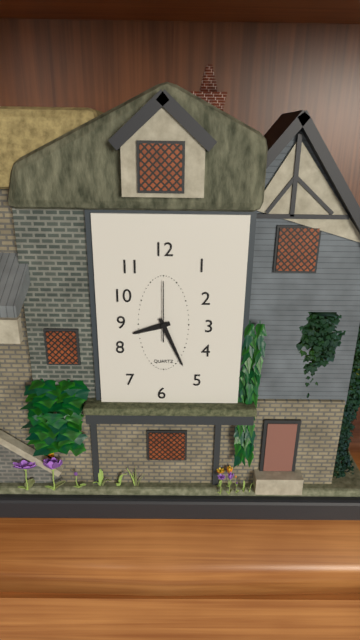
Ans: 8:26:00
